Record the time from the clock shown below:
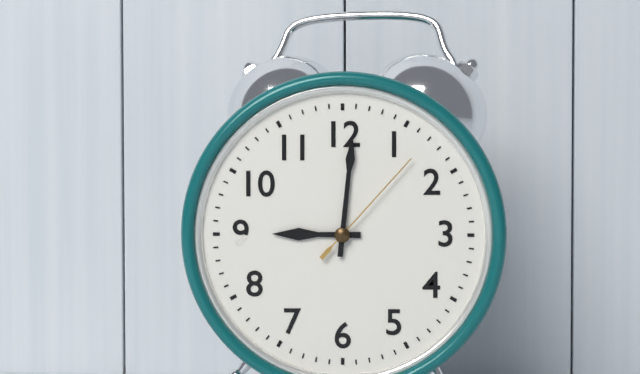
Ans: 9:01:07
